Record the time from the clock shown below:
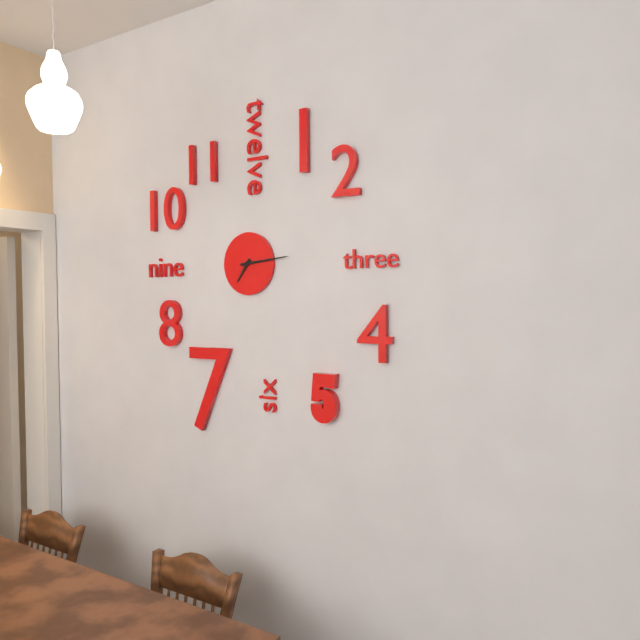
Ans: 7:14
